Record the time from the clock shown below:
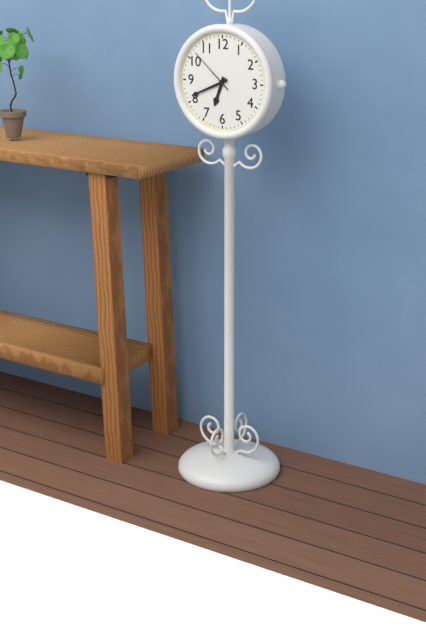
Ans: 6:41:52
